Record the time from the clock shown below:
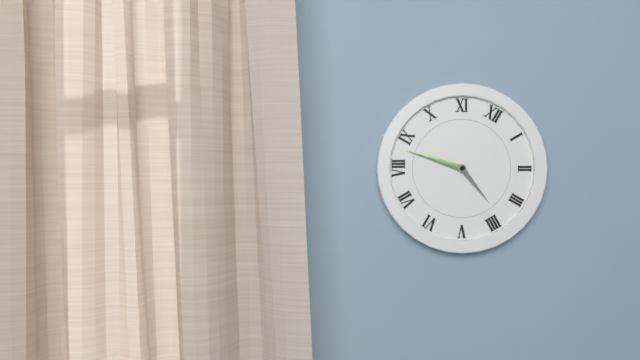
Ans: 3:43
